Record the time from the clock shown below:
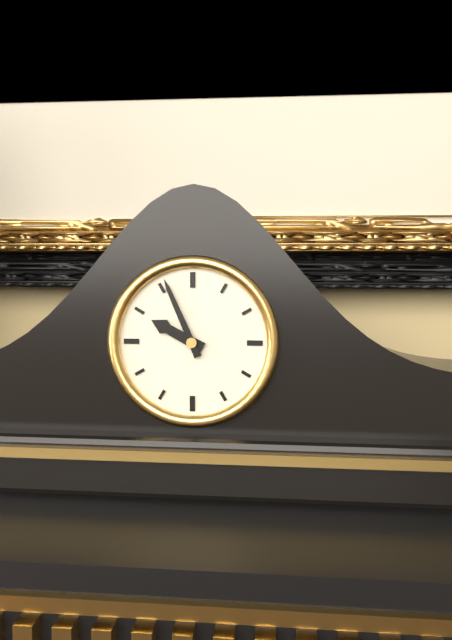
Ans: 9:56
